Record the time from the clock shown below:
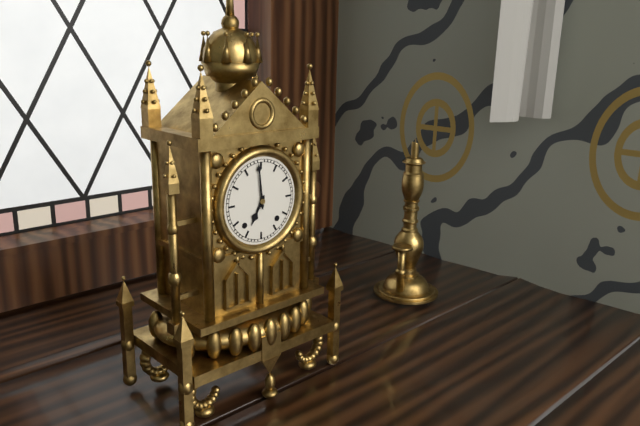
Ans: 6:59
